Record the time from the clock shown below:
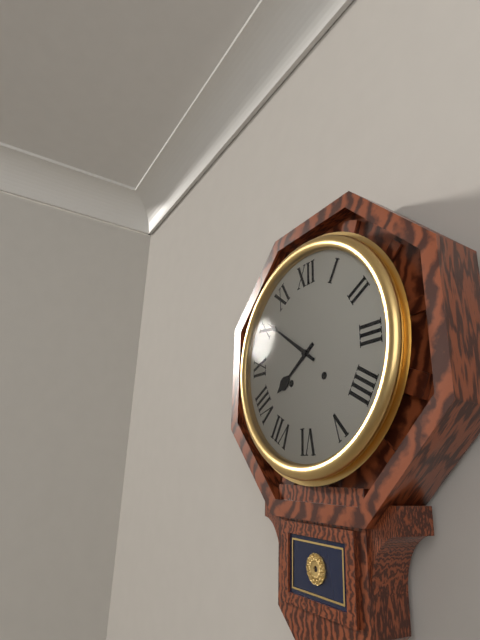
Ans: 7:51
